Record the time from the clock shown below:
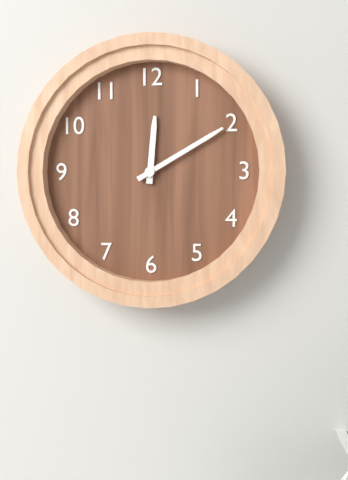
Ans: 12:10
